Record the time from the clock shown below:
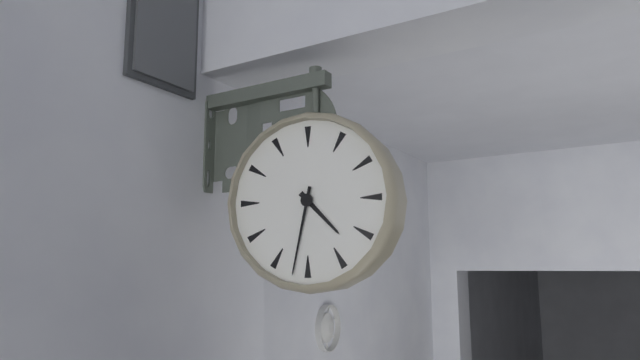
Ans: 4:32
